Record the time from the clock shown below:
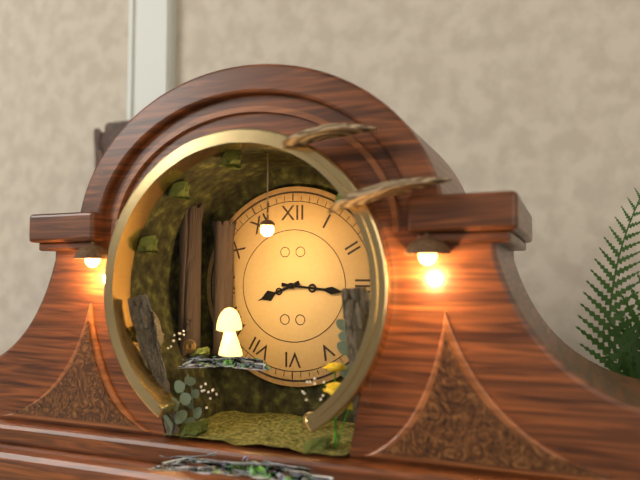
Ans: 8:16
